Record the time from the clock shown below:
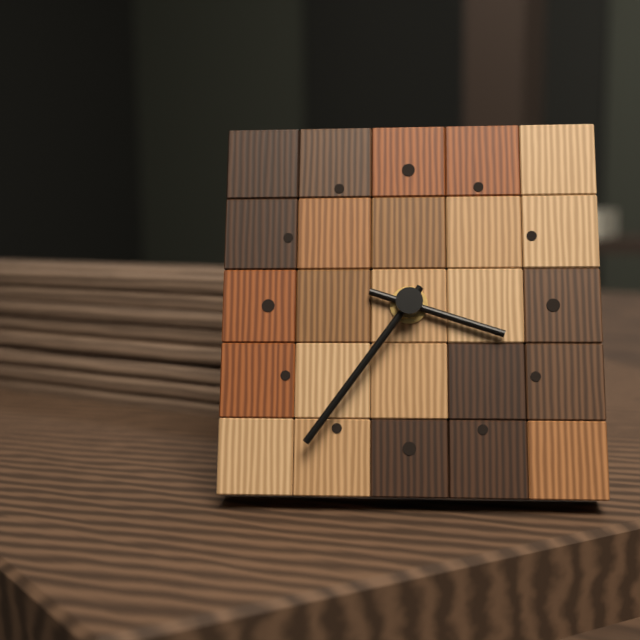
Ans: 3:36
